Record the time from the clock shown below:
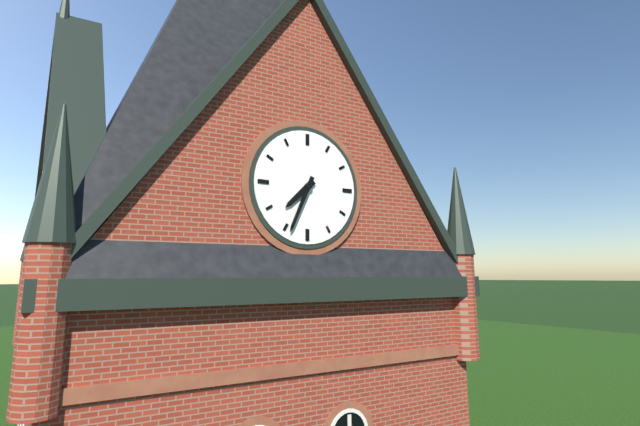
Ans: 7:34
